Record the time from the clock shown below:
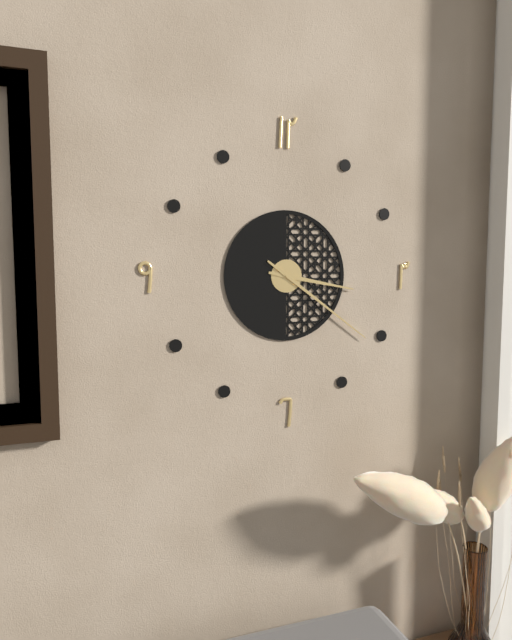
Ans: 3:21
